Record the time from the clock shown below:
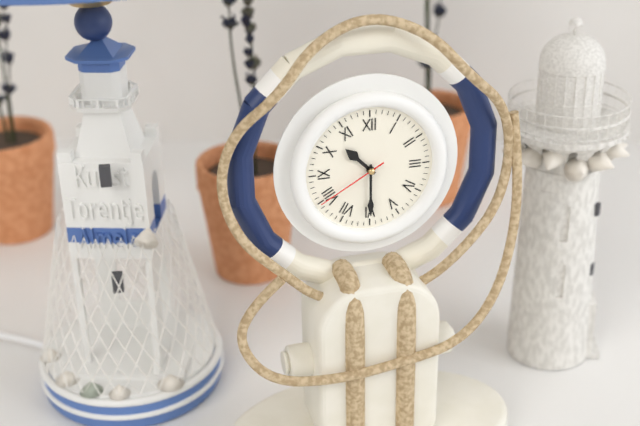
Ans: 10:30:40
